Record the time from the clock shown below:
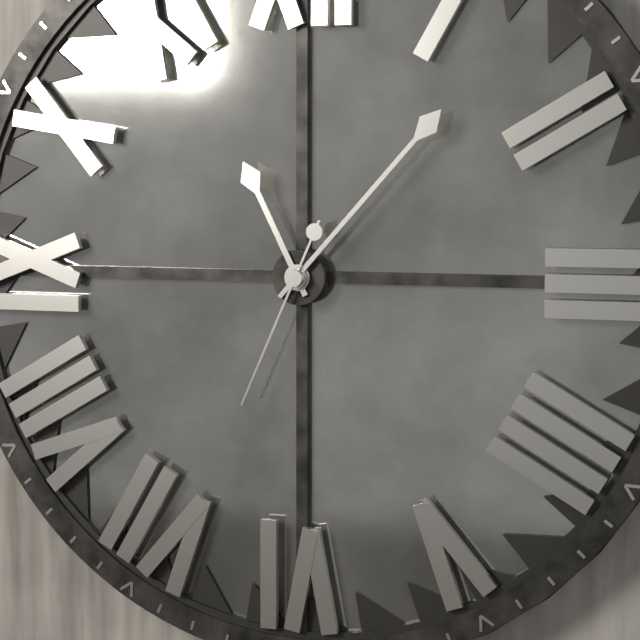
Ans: 11:07:34
